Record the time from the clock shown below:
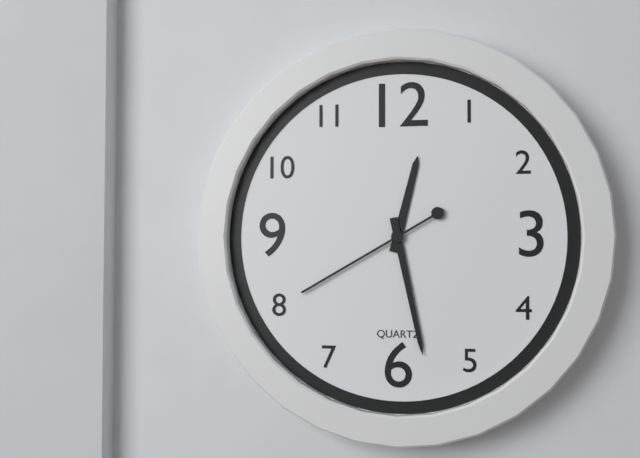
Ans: 12:28:40
